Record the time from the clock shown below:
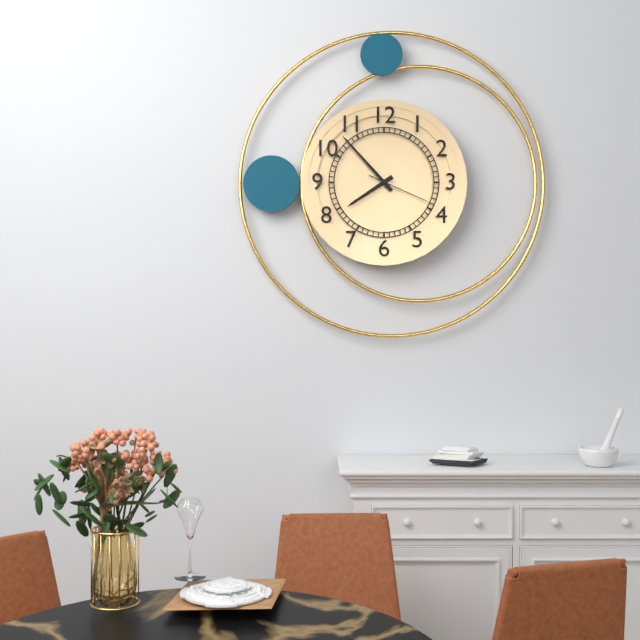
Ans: 7:53:19
